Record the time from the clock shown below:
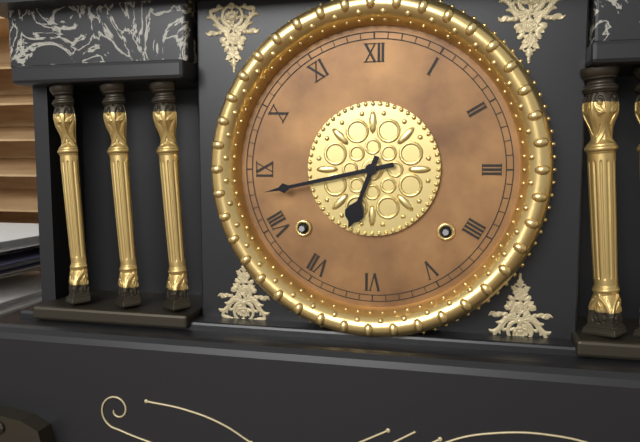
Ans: 6:43
